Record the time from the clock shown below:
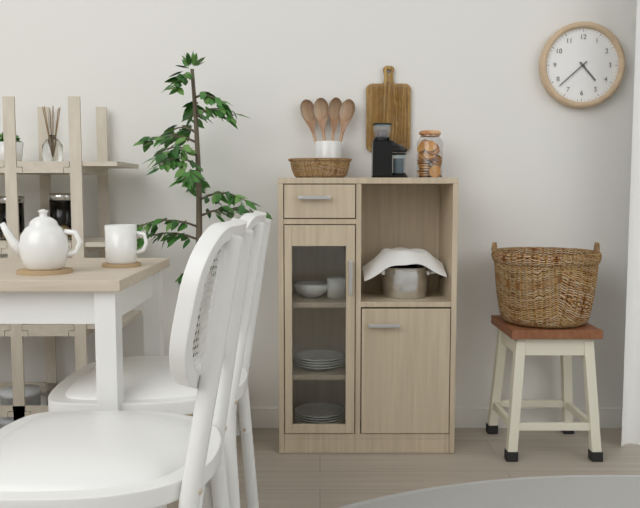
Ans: 4:38
